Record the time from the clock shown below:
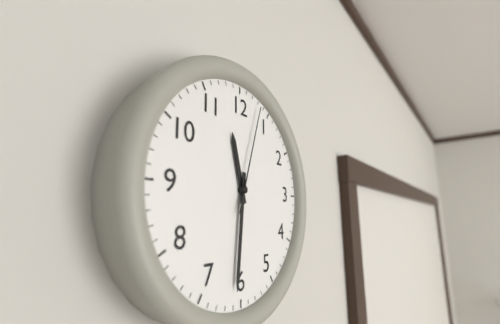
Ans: 11:31:03
